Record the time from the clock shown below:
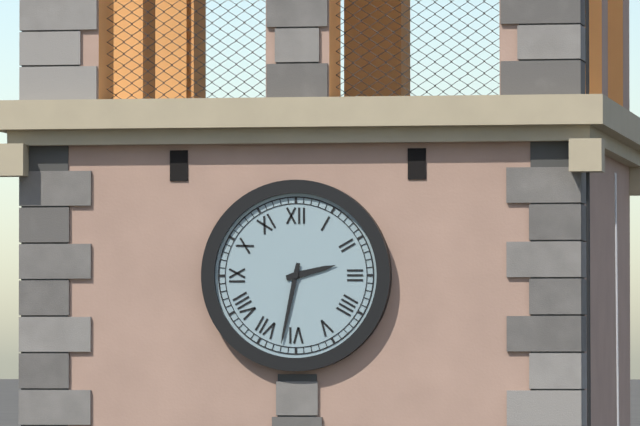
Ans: 2:32
